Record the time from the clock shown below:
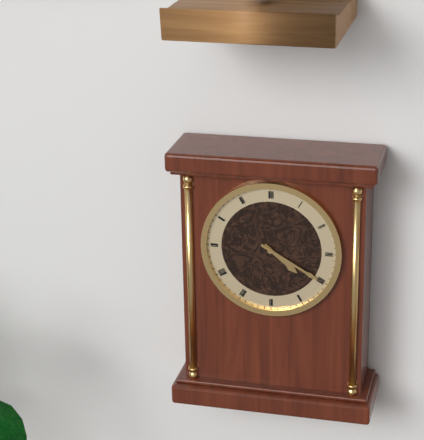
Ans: 4:20
